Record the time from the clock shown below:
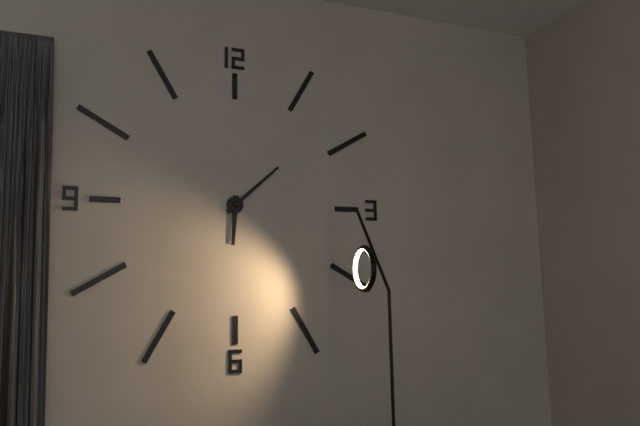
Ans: 6:08
